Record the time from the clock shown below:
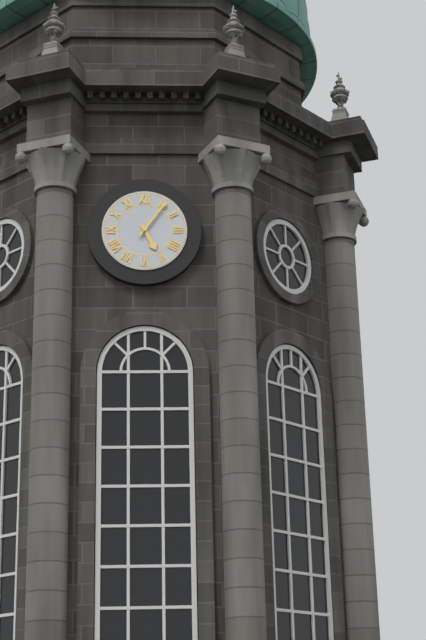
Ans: 5:06
